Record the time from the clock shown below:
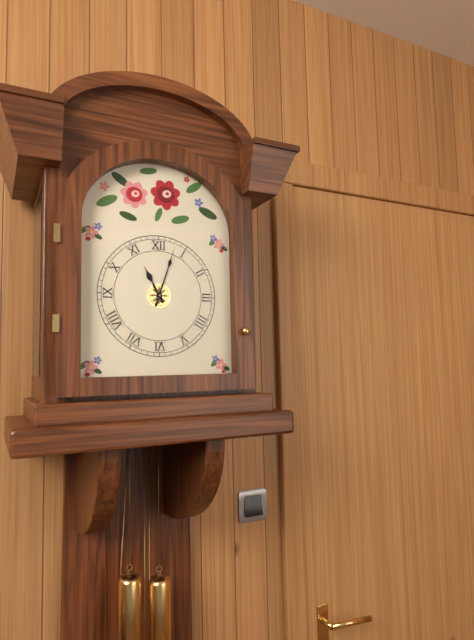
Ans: 11:03
